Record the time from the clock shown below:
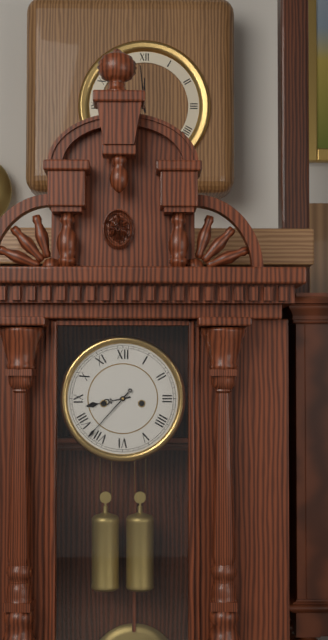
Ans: 8:37
